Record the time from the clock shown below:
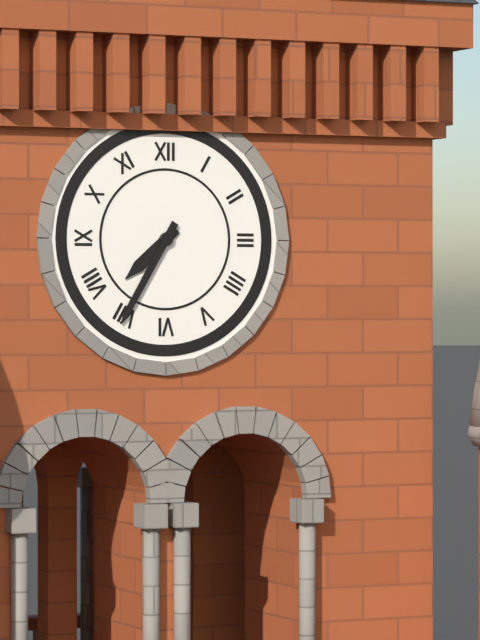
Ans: 7:35
